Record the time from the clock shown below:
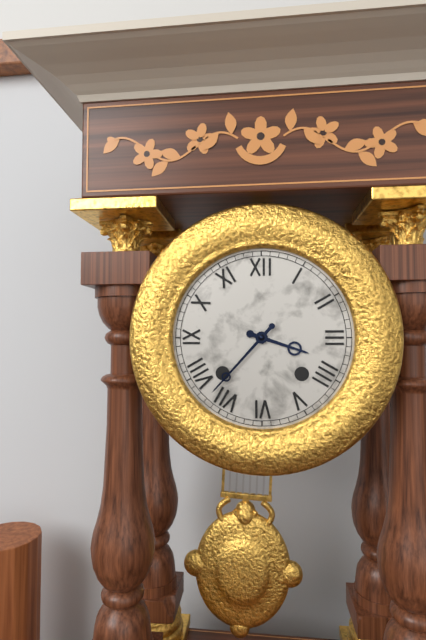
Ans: 3:37
